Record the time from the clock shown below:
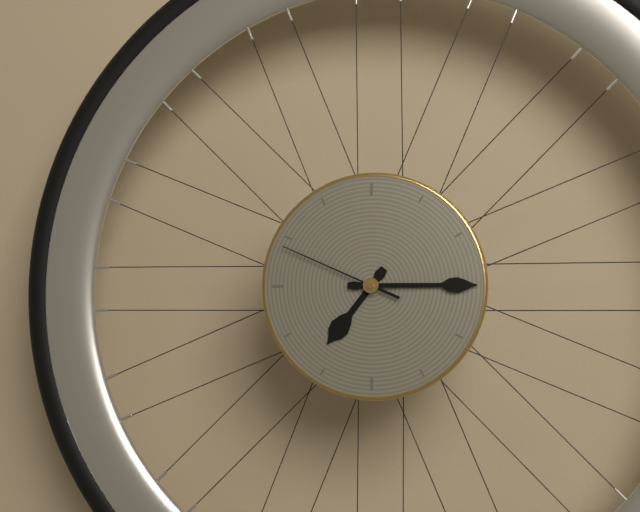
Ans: 7:15:49
